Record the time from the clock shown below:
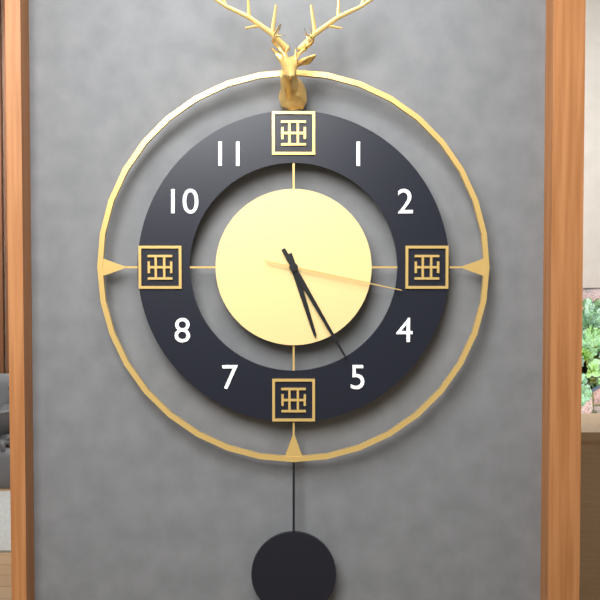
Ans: 5:25:17
